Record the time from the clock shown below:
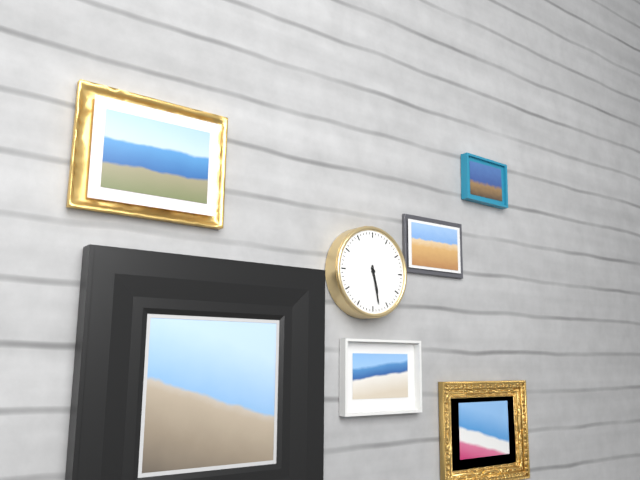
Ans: 5:28
